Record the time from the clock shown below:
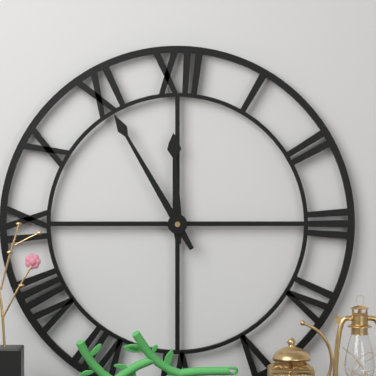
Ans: 11:55
